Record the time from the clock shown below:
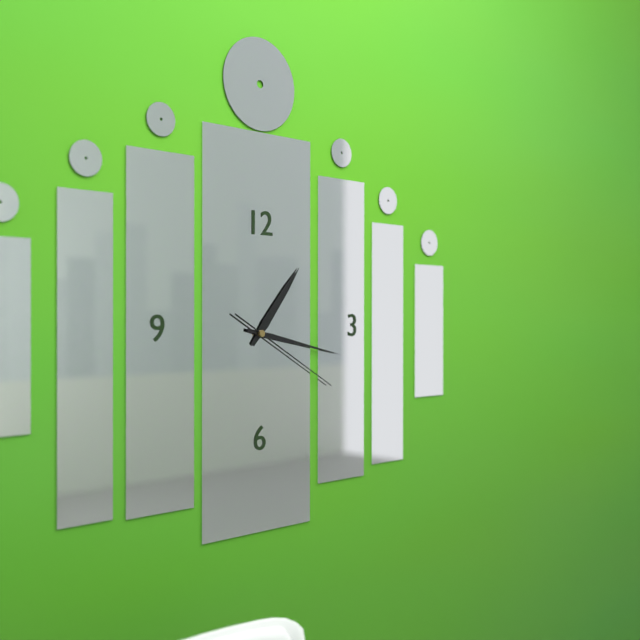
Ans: 1:17:20
